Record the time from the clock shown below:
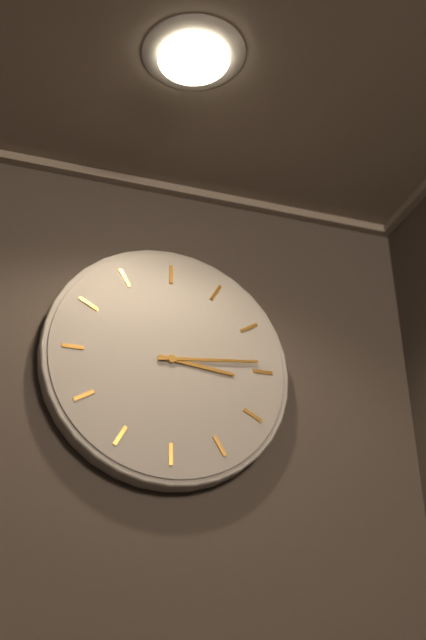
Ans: 3:14
